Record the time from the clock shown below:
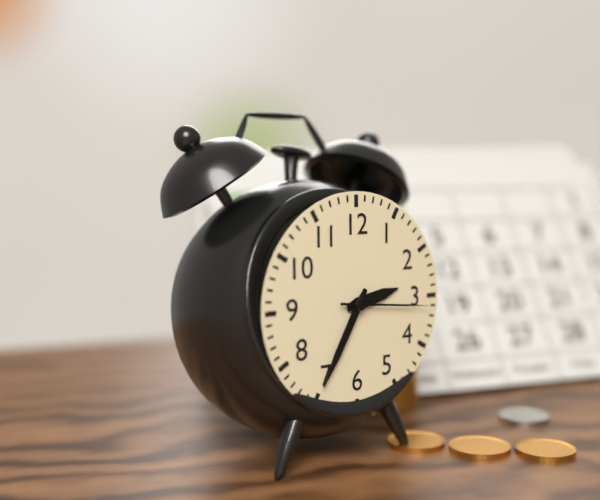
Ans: 2:35:16
